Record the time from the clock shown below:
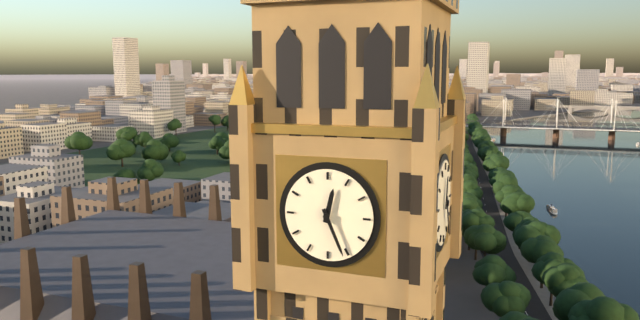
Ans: 12:26
